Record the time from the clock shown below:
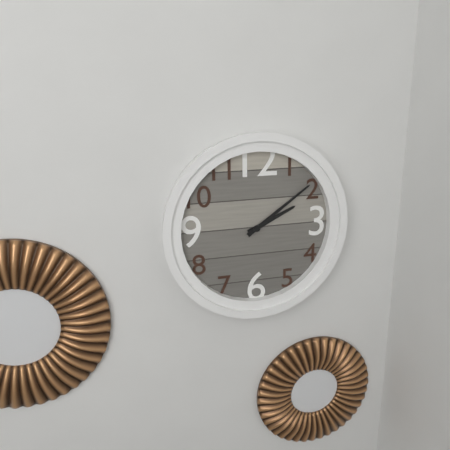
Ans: 2:09
